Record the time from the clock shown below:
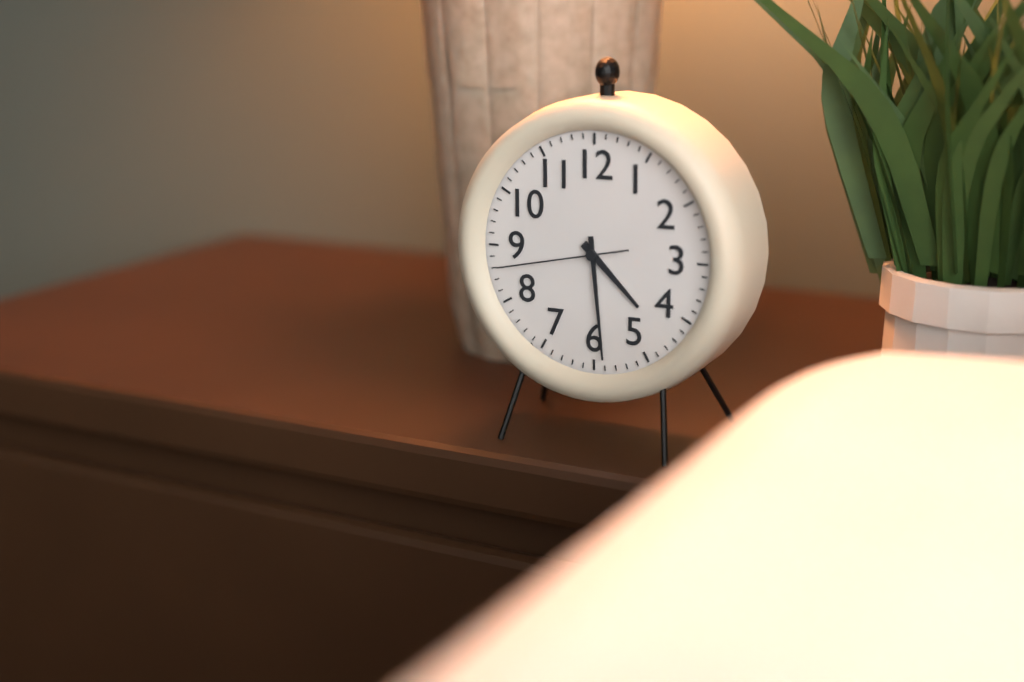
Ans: 4:29:43
